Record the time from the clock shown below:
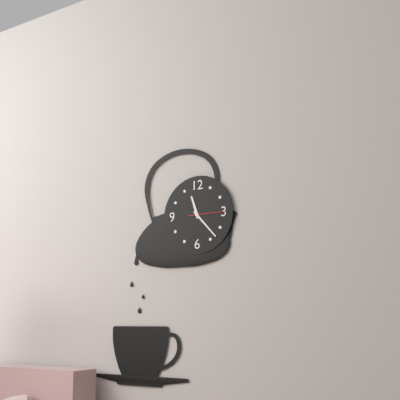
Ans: 11:23
